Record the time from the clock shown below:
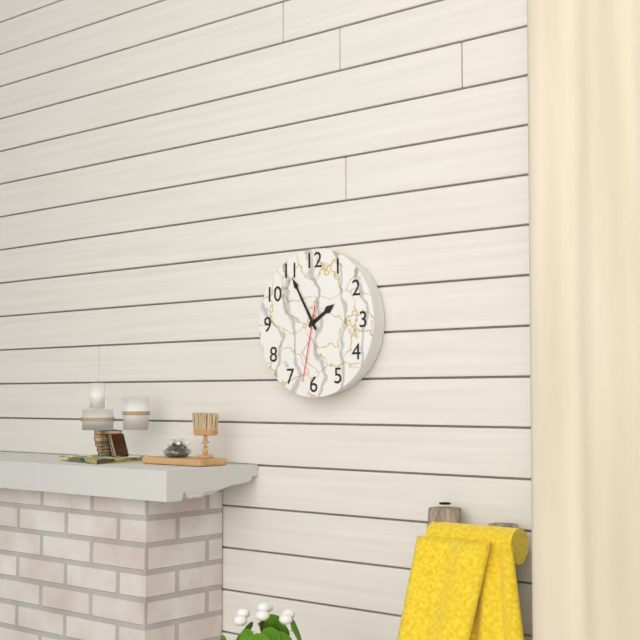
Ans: 1:55:32
